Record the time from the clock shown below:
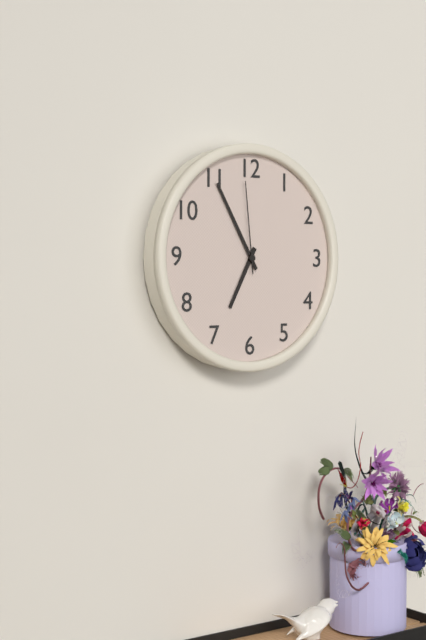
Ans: 6:55:59
